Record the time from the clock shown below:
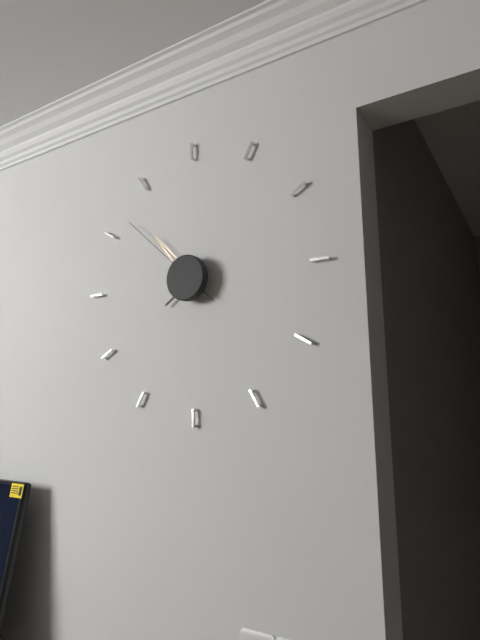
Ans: 7:53:52
